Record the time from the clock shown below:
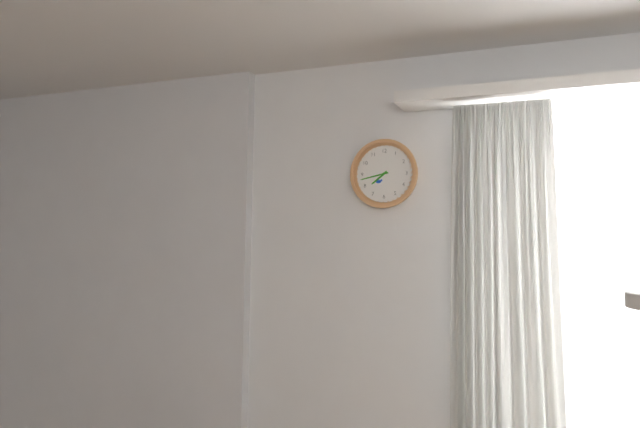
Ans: 7:43
